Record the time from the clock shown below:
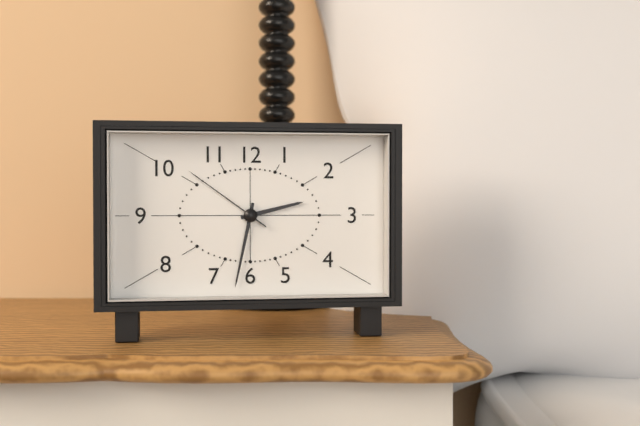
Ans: 2:32:51
